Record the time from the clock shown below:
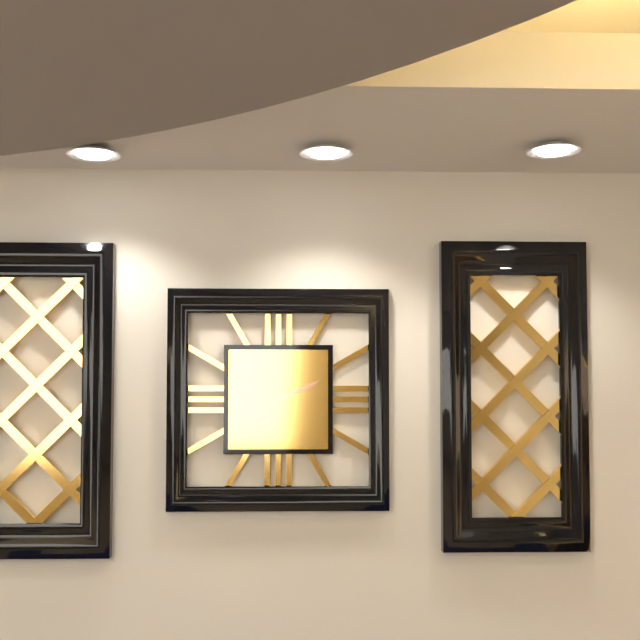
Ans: 7:11:12
